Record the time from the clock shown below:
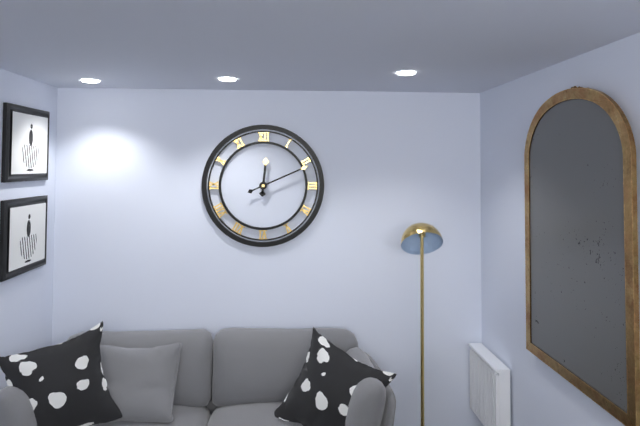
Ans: 12:11
